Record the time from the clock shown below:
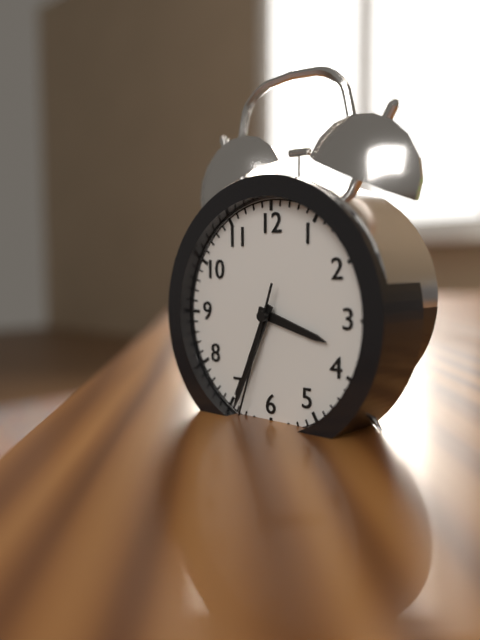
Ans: 3:34:33
